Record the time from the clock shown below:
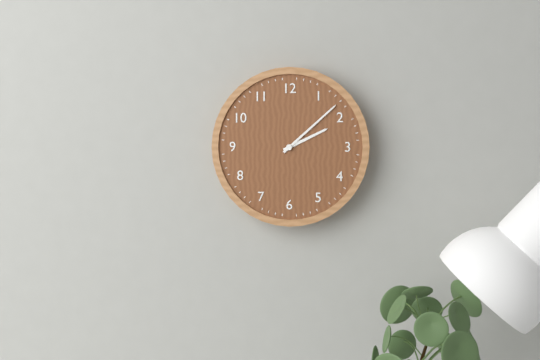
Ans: 2:08
